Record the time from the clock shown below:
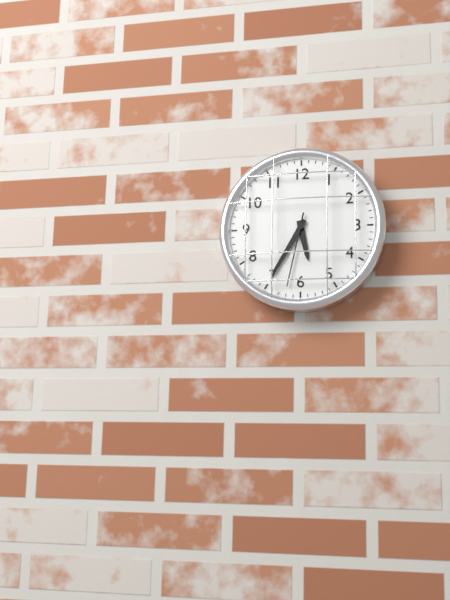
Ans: 5:35:32
